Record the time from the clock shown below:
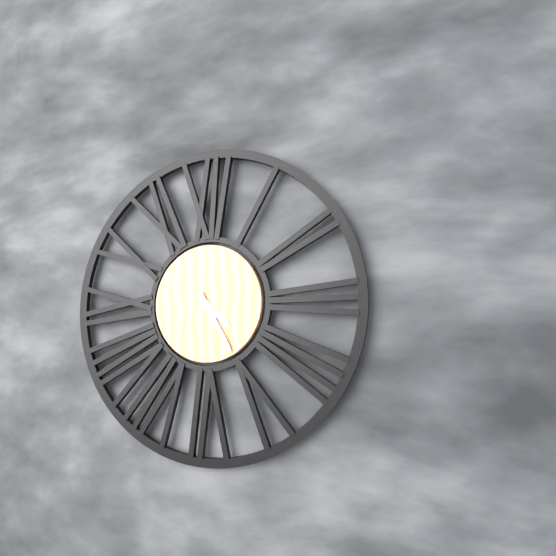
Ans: 4:25
